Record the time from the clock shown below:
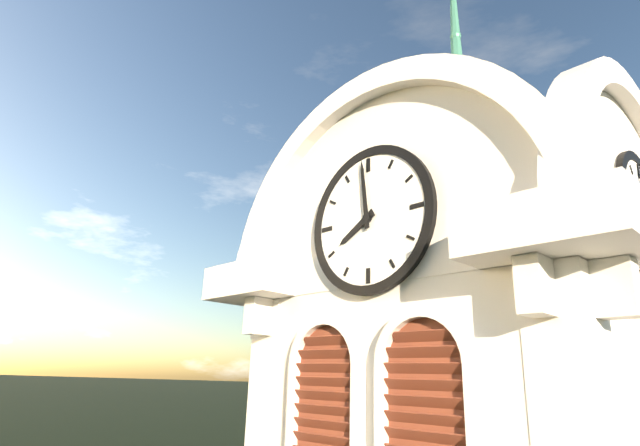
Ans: 7:59
